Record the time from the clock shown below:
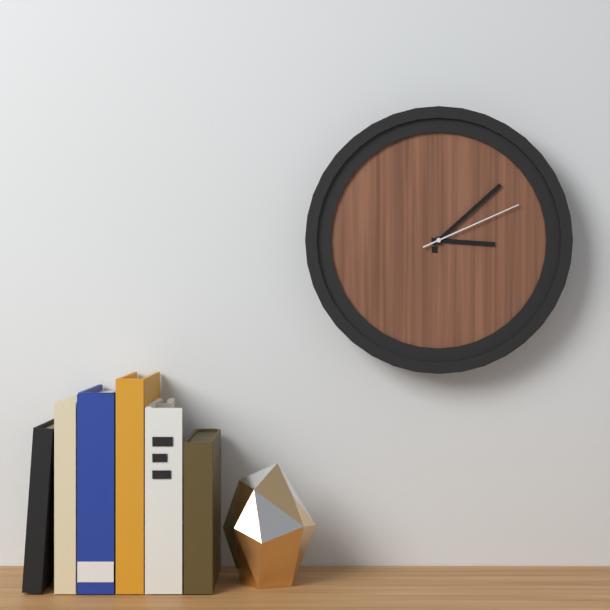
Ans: 3:08:11
